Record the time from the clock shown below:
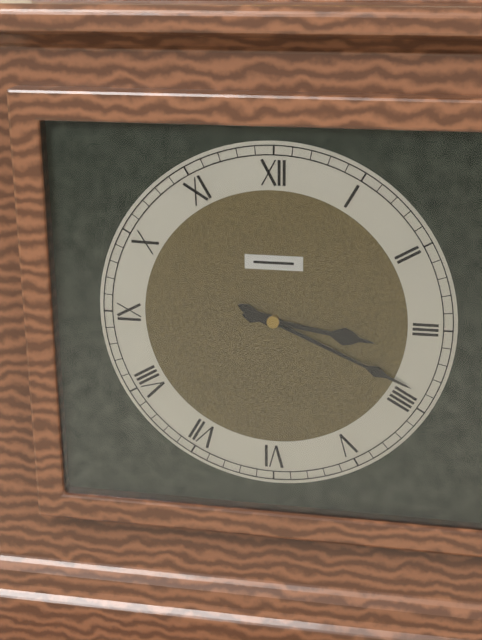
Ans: 3:19
